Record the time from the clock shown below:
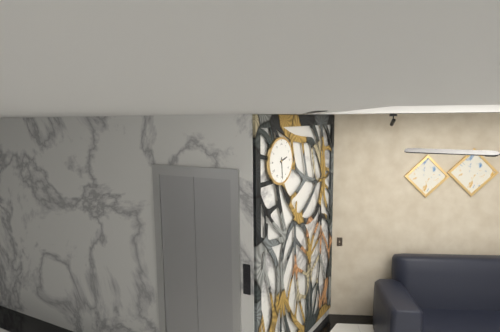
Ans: 2:29
